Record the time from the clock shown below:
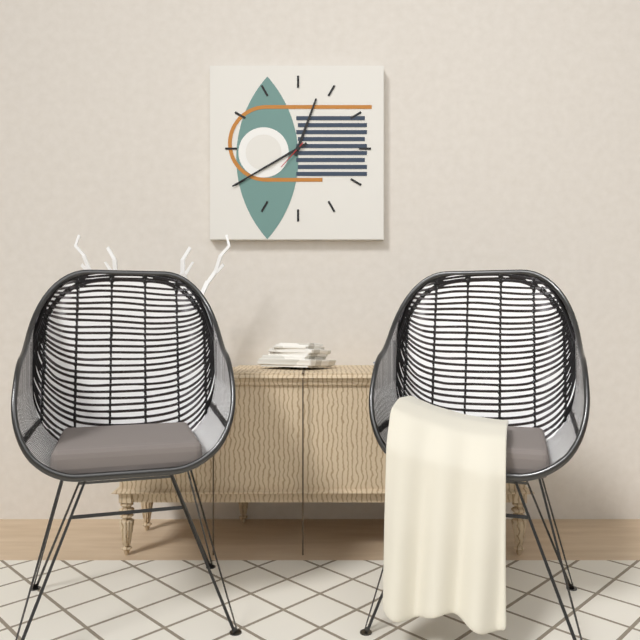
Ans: 12:40
